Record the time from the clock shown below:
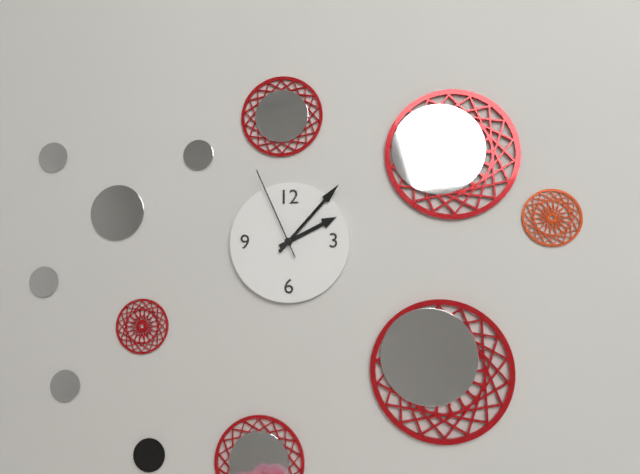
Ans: 2:07:56
